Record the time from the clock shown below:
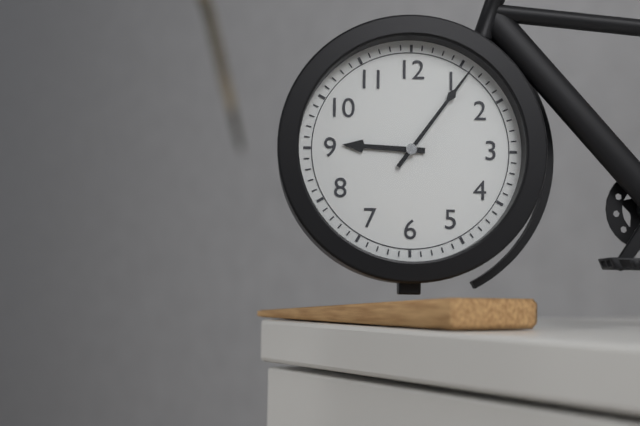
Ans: 9:06
